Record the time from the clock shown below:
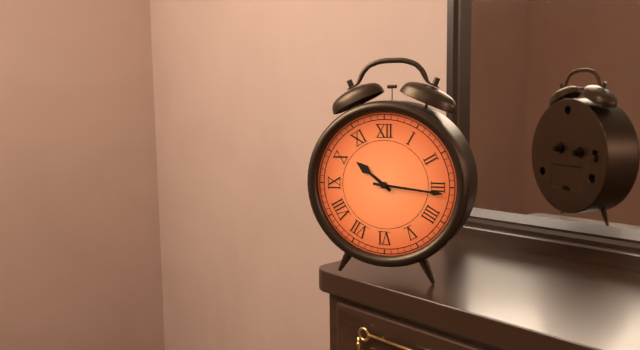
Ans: 10:16
